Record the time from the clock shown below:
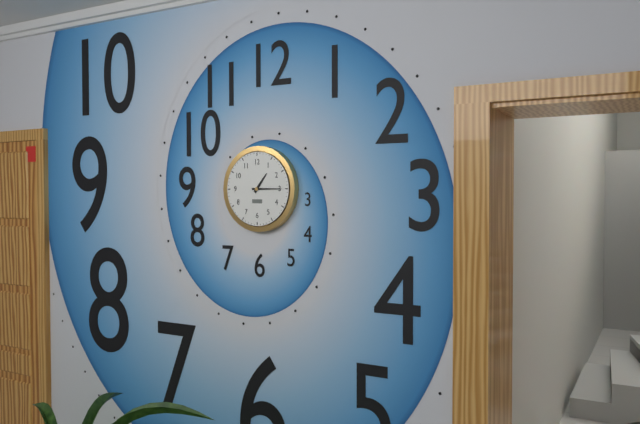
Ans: 1:15
